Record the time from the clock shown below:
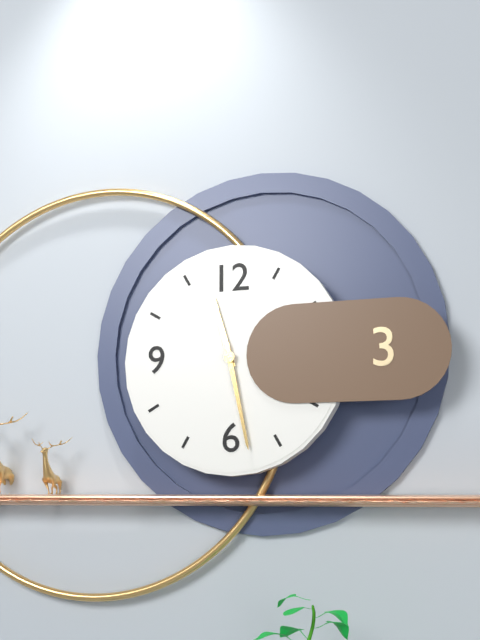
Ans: 11:28
